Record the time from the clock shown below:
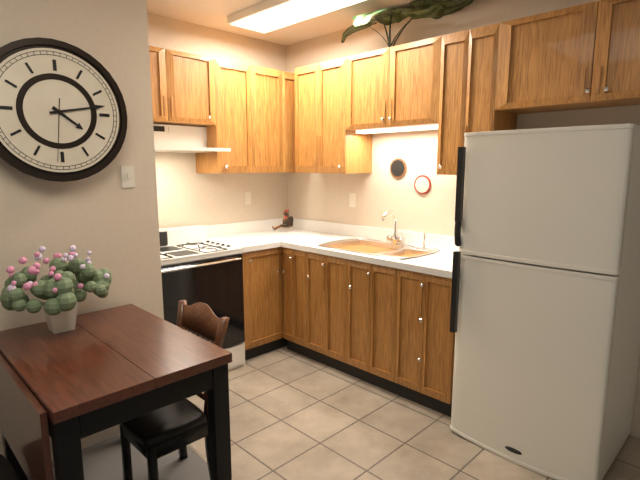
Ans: 4:13:31
